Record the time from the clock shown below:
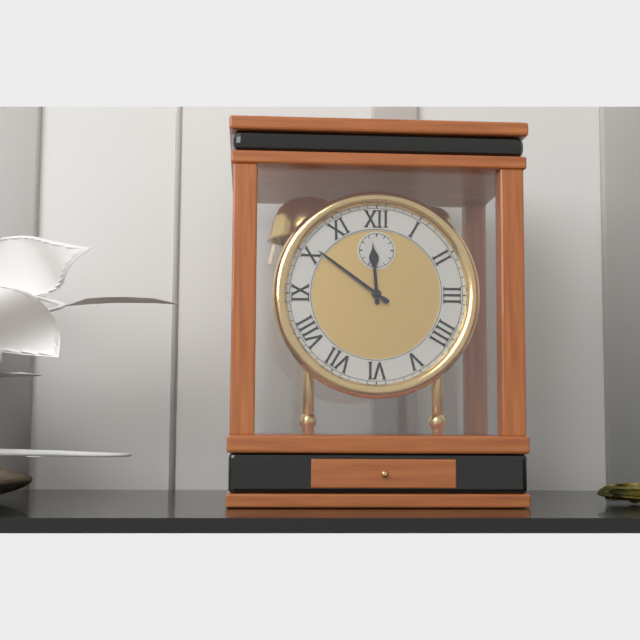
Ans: 11:51
